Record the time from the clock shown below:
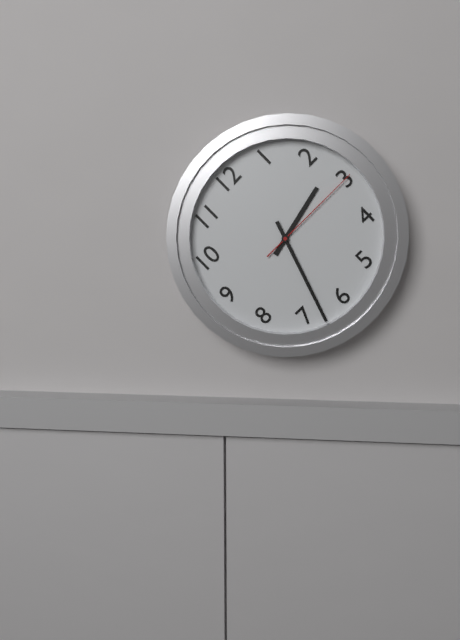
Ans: 2:33:15
